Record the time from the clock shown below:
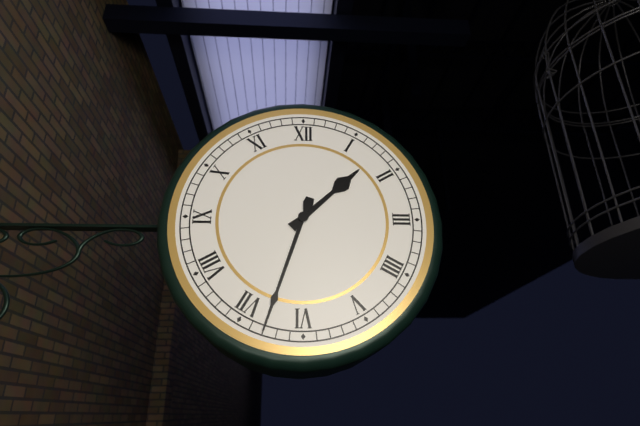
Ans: 1:33
